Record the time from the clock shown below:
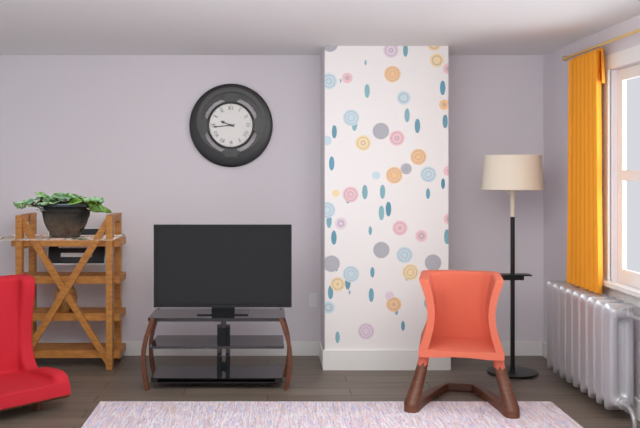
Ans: 9:44
